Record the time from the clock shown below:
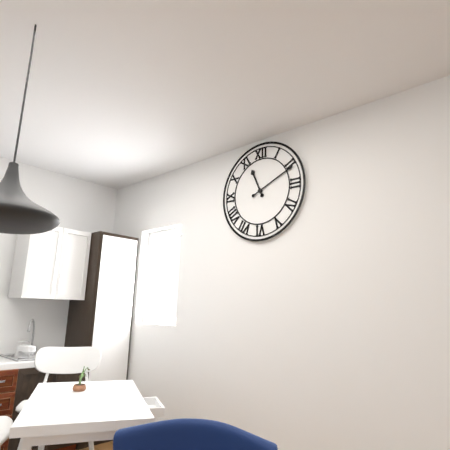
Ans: 11:11
